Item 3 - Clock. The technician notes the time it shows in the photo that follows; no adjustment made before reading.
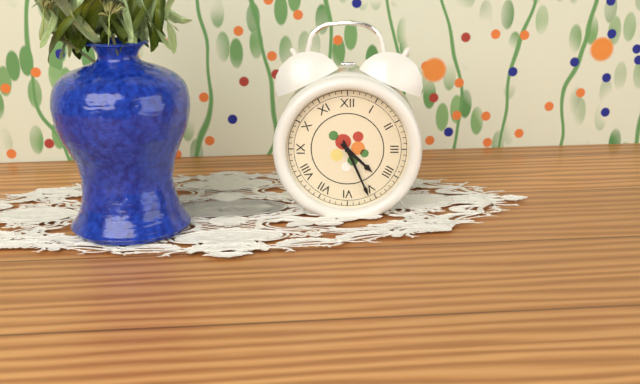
4:26
